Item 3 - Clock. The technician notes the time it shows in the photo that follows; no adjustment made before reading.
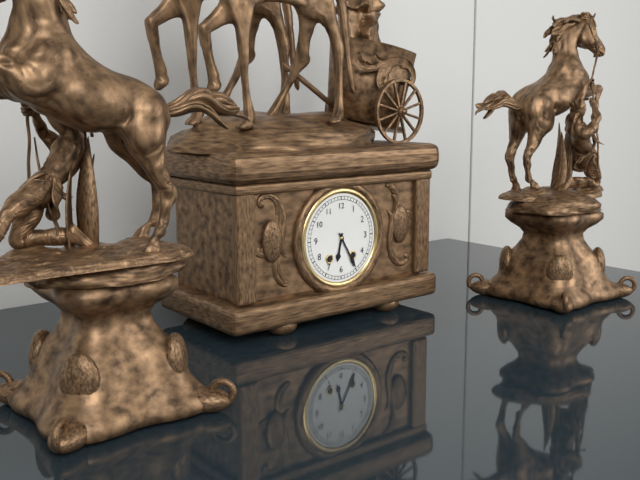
6:25
